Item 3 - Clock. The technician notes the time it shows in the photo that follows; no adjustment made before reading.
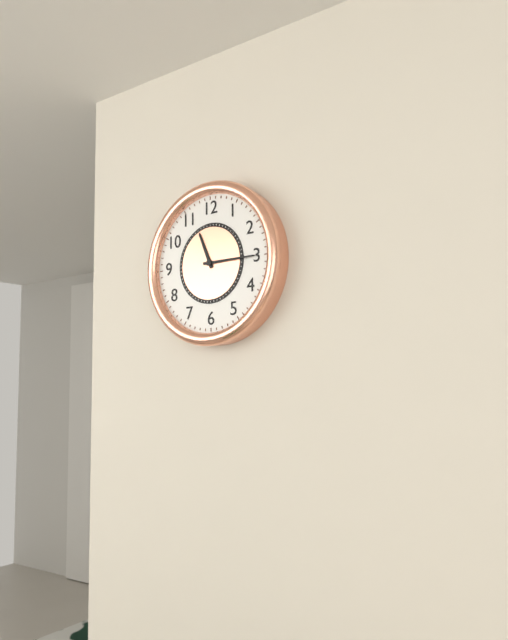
11:15
